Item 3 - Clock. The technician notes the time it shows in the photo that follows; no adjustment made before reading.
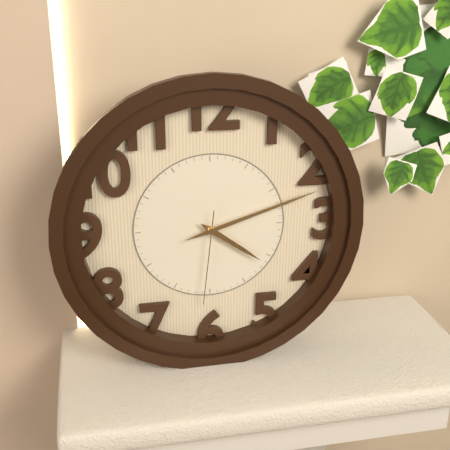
4:12:31
